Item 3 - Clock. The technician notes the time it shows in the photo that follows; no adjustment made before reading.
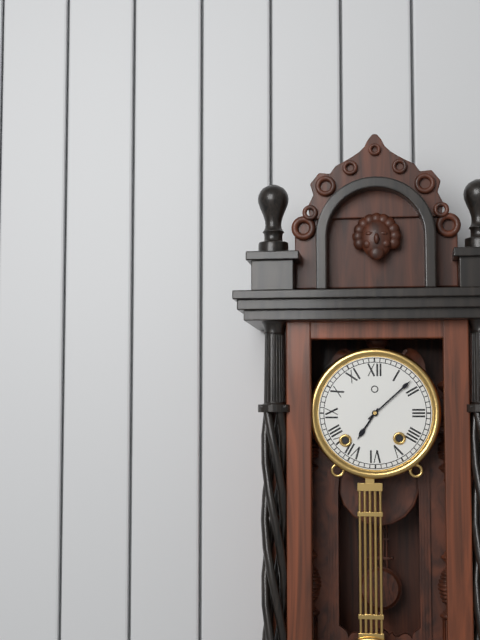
7:08
